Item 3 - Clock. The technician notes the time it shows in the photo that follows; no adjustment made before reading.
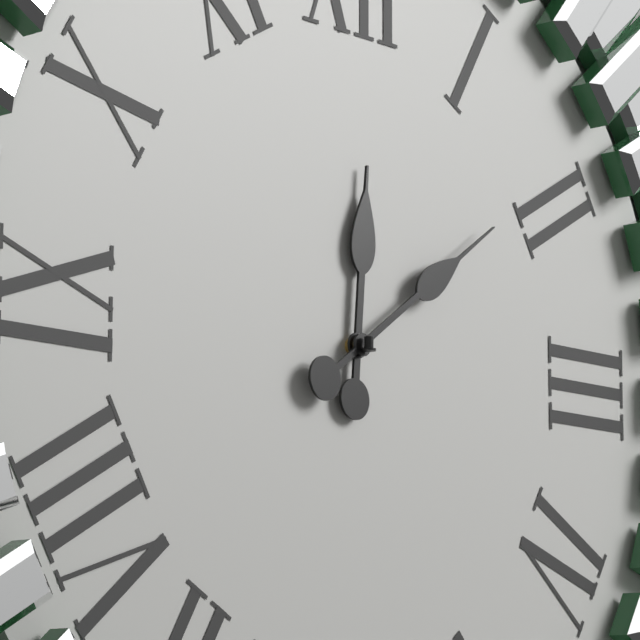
12:09
